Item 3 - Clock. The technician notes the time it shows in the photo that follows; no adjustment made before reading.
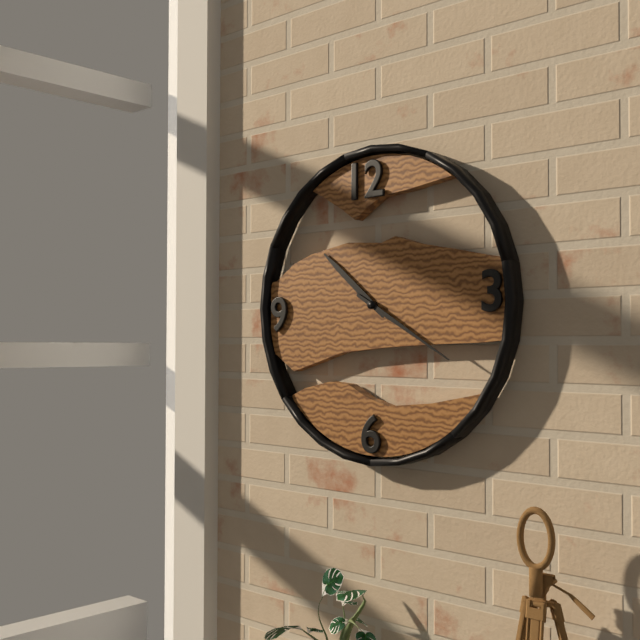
10:20
